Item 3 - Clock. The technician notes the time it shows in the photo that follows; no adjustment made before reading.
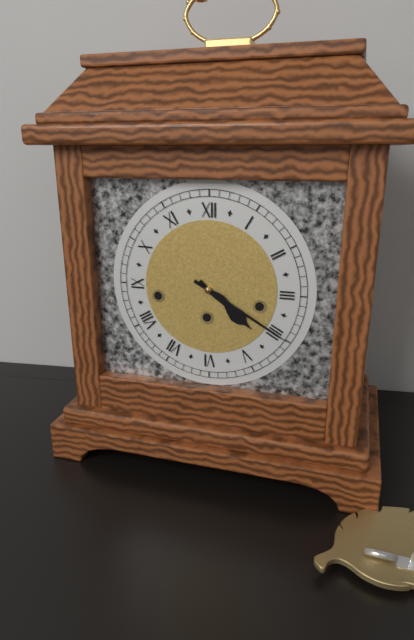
4:20
